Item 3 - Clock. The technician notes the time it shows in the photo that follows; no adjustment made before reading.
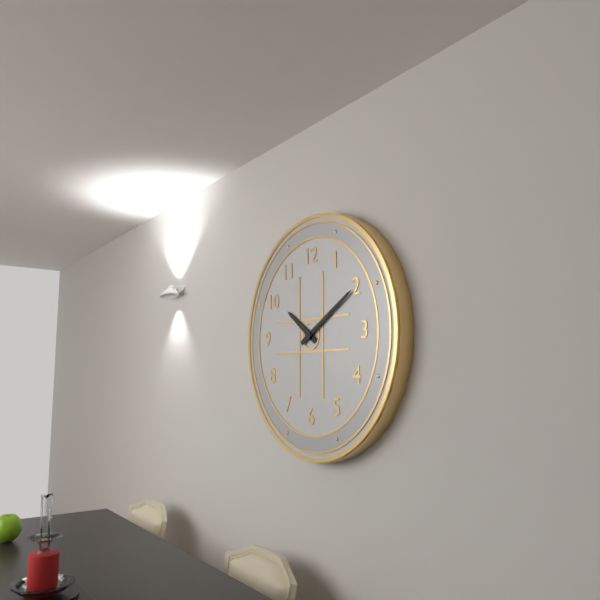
10:10
